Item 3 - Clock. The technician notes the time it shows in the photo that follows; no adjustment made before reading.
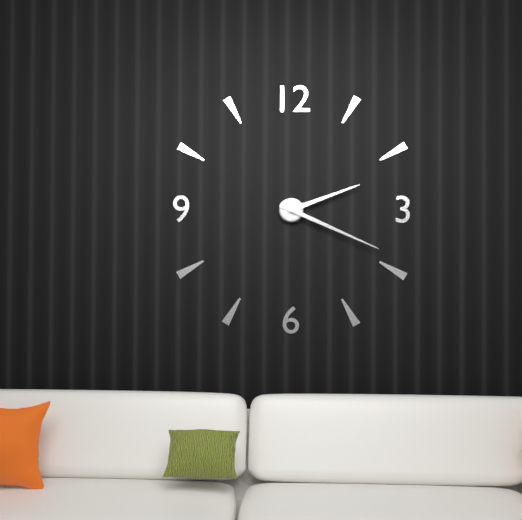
2:19
